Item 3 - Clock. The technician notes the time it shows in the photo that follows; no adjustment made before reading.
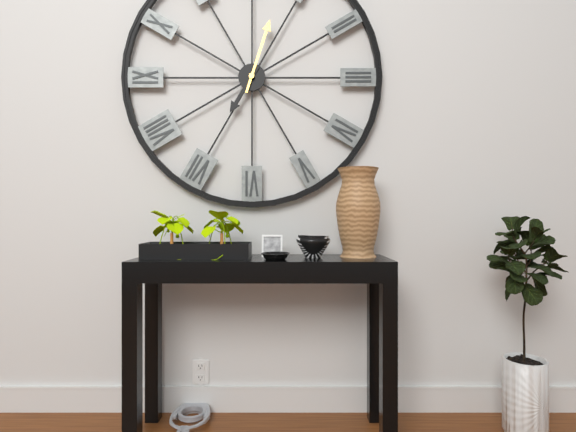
7:03
